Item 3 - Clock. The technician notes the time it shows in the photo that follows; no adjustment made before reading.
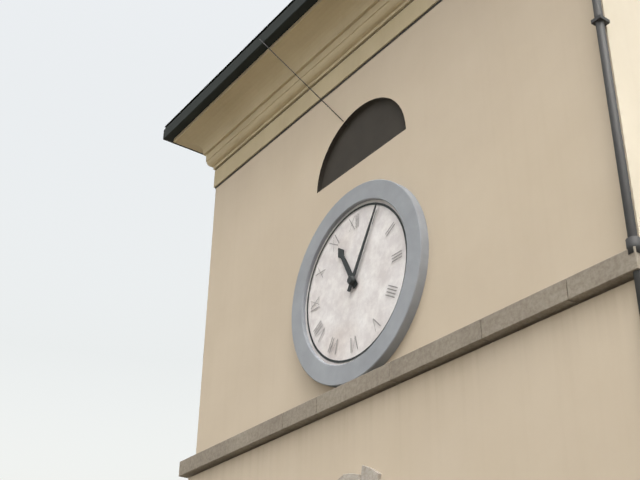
11:05
